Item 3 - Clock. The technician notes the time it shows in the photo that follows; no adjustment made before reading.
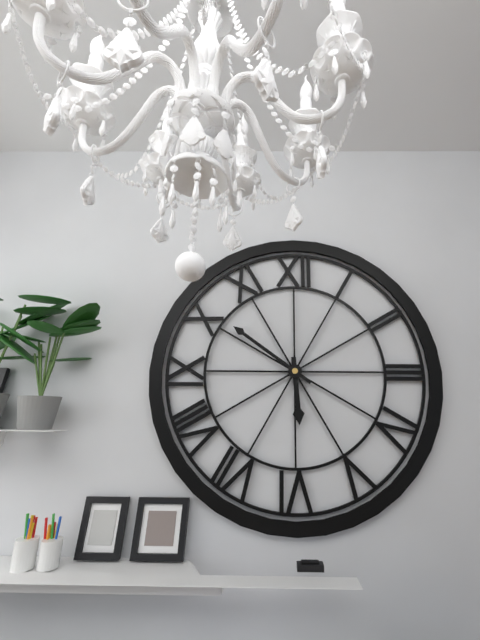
5:51
